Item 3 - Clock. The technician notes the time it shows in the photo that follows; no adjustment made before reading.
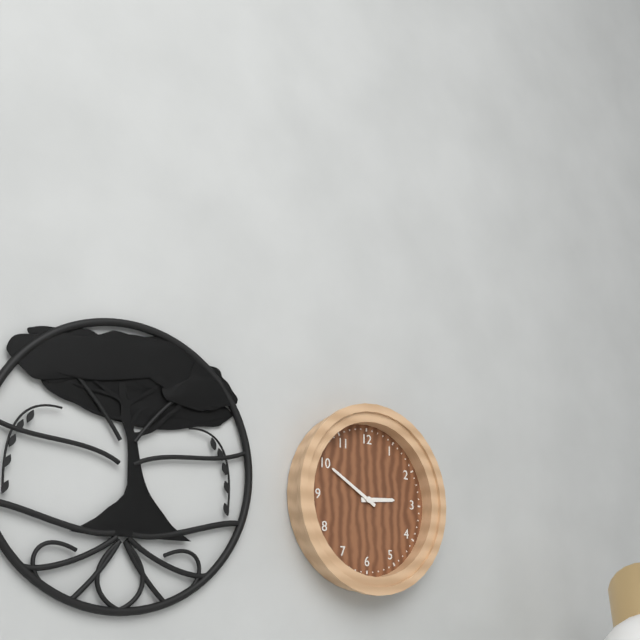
2:50
